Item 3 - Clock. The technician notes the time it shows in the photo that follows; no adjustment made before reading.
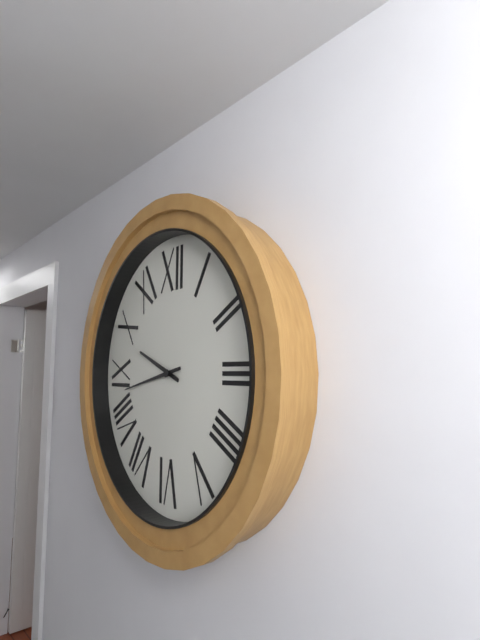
9:43
